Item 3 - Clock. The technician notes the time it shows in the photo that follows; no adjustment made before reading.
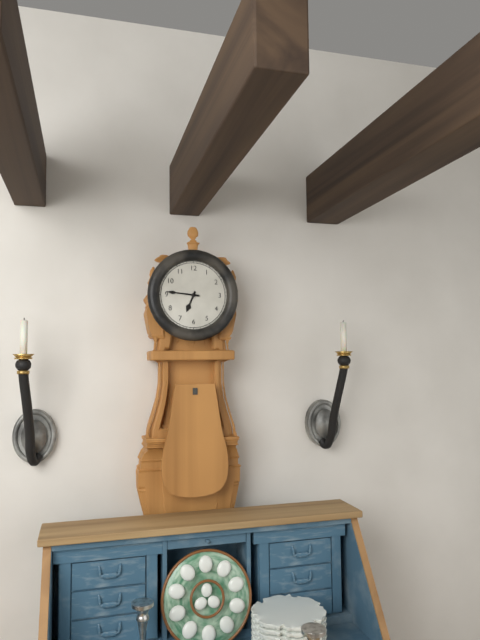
6:46
